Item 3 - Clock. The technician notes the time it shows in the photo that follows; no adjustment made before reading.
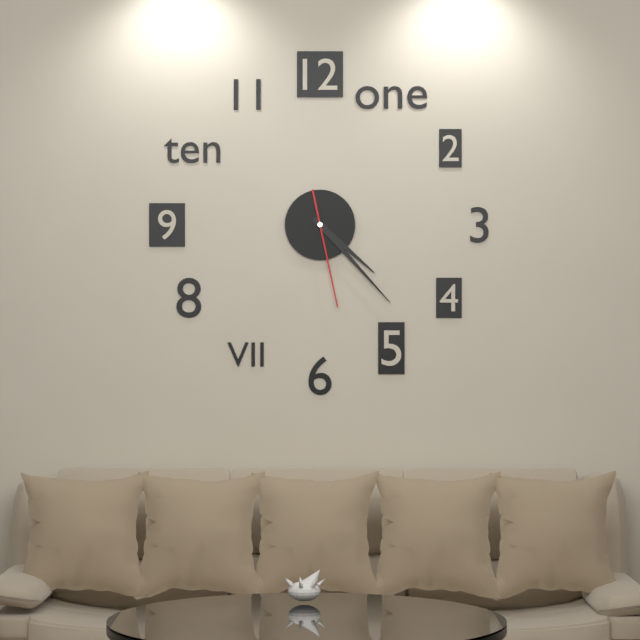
4:23:28
